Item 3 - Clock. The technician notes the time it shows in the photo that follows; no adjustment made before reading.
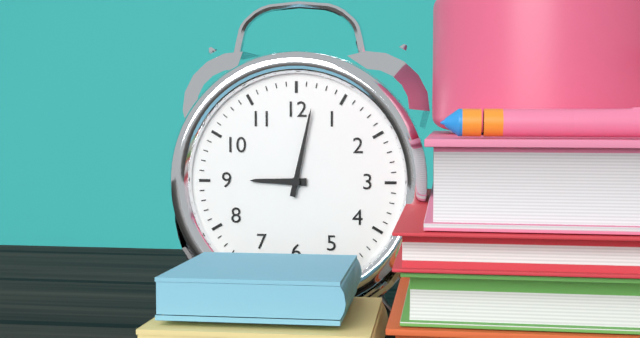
9:02
